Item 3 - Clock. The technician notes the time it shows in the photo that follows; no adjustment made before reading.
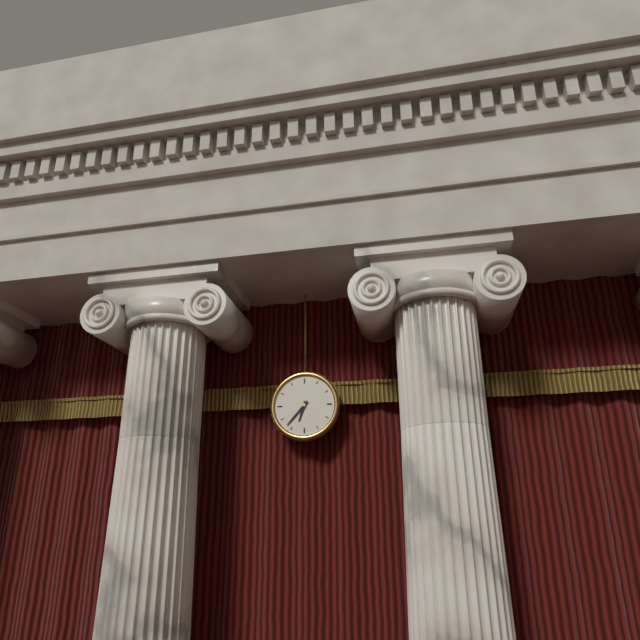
6:37
